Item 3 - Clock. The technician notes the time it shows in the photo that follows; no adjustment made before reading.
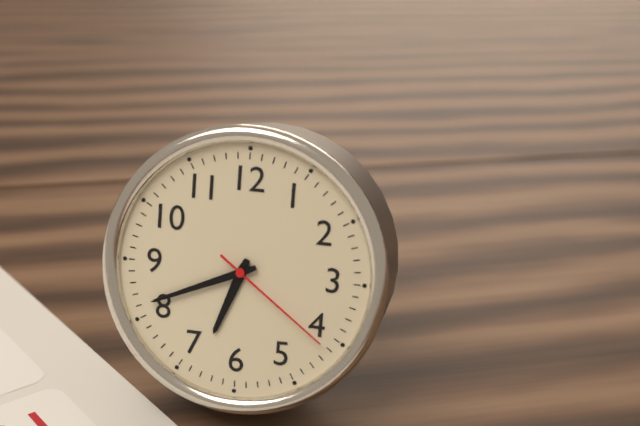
6:41:21
